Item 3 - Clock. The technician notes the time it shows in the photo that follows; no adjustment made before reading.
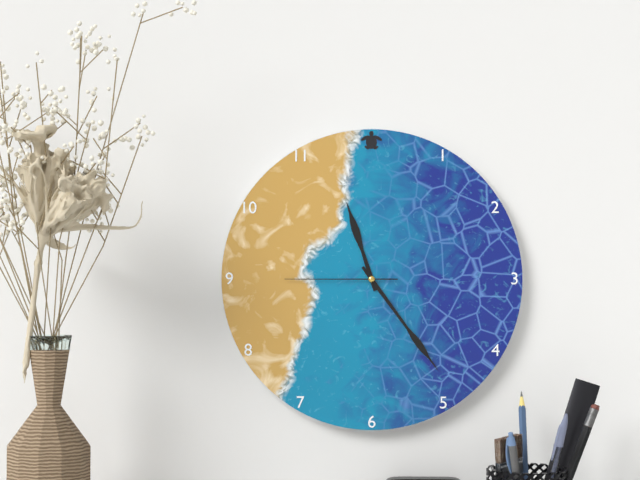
11:24:45
